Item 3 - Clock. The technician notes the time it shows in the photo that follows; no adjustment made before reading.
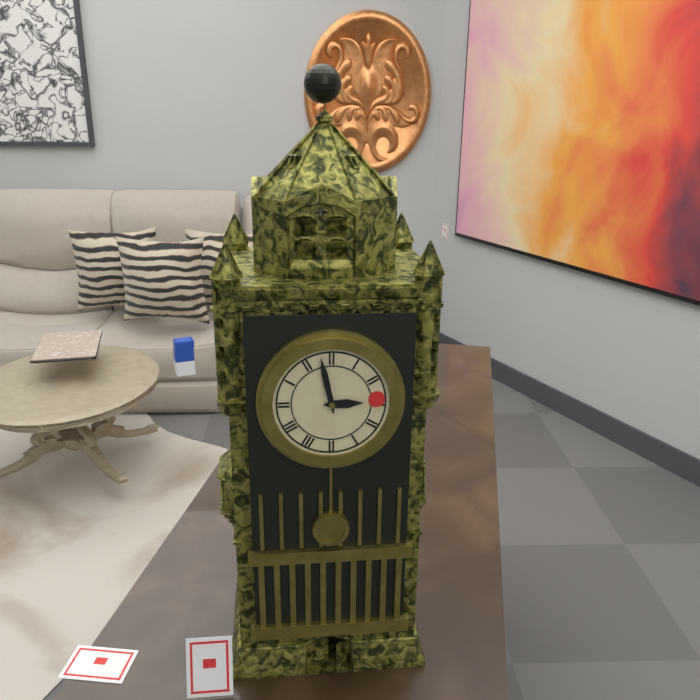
2:58
